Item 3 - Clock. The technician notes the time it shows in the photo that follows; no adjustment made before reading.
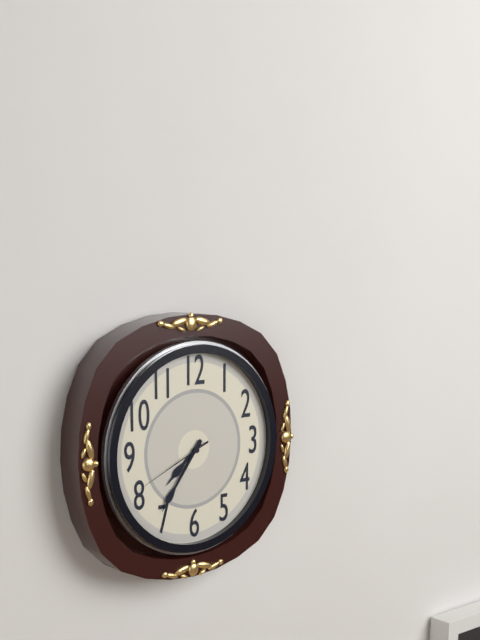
7:36:41
